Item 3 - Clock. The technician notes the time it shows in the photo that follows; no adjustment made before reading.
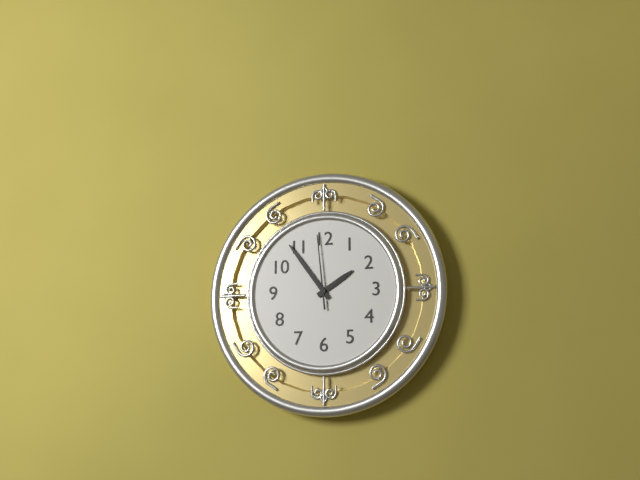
1:54:59
